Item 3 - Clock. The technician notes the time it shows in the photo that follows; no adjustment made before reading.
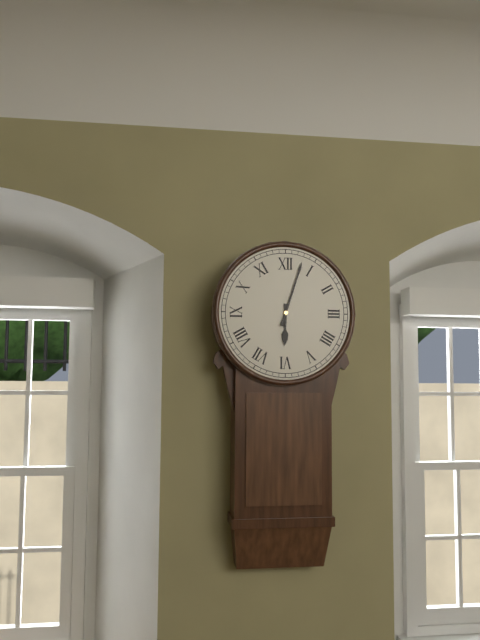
6:03
